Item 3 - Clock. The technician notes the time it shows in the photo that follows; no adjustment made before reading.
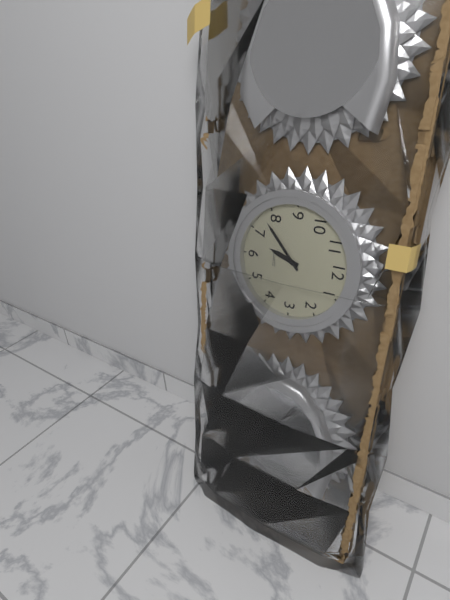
6:38
